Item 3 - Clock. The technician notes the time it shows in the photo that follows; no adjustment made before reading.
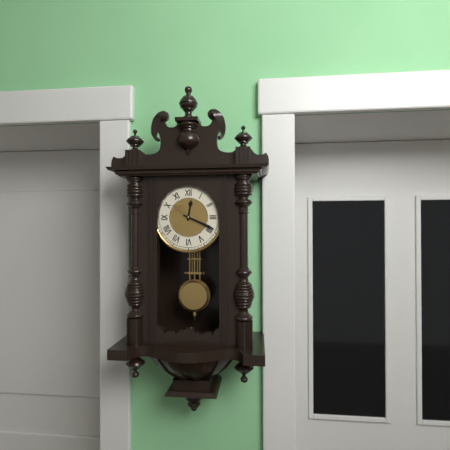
12:19
